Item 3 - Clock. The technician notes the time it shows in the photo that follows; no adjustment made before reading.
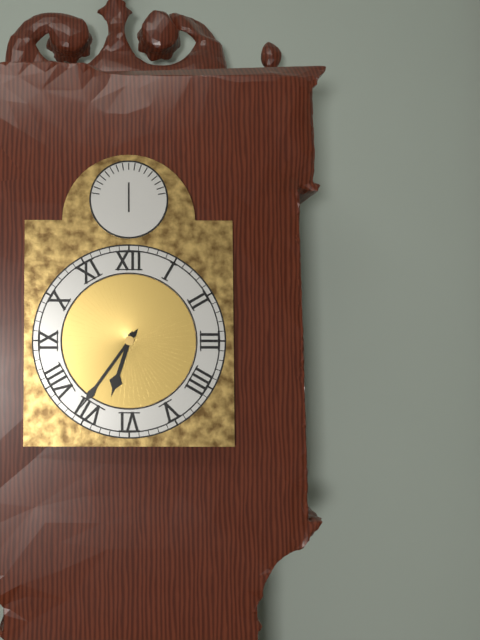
6:36
